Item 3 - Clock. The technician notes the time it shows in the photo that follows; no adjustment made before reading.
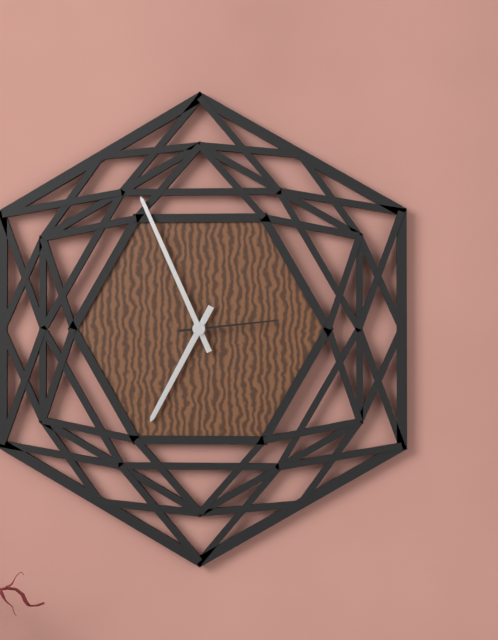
6:56:14
